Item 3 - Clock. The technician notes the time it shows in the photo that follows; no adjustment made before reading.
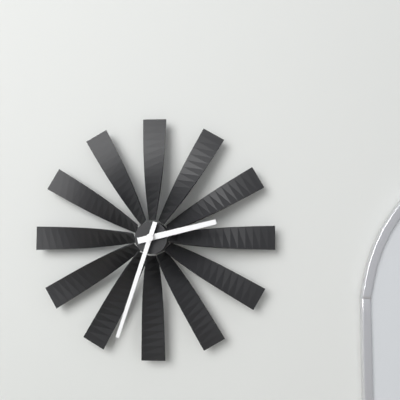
2:33
